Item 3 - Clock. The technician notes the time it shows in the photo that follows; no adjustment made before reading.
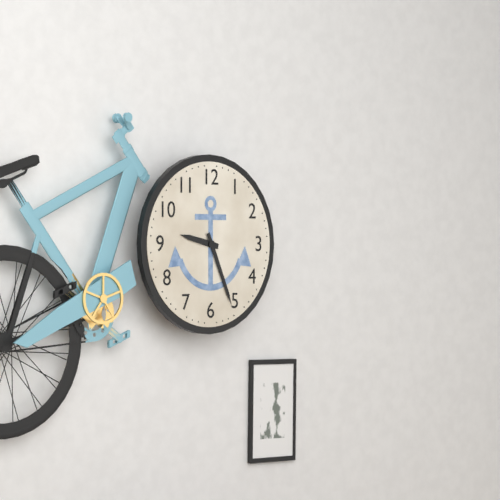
9:26
